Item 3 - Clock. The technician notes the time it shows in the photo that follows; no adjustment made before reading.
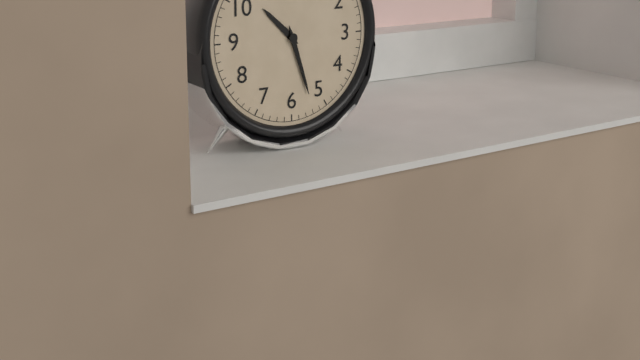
10:27
